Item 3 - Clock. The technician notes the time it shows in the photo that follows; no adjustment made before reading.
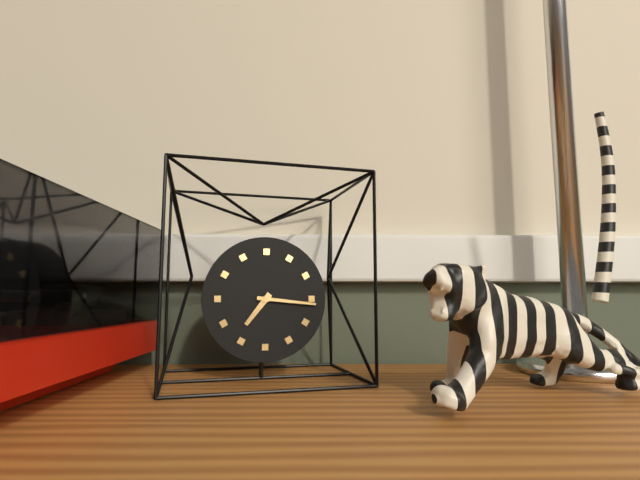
7:16
